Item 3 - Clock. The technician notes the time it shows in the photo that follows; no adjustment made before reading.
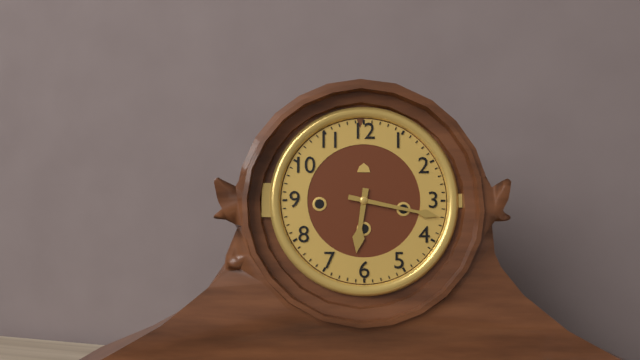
6:17
